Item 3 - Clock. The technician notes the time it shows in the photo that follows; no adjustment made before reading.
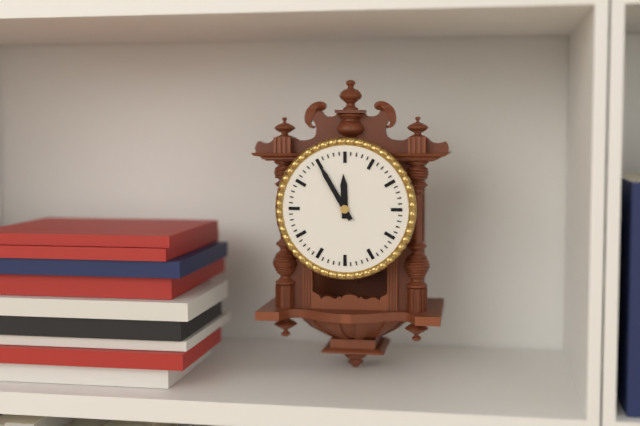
11:55
